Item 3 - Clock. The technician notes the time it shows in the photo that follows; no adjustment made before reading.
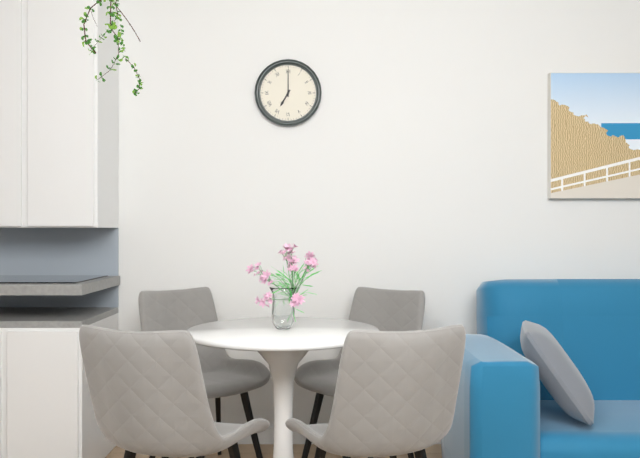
7:00
